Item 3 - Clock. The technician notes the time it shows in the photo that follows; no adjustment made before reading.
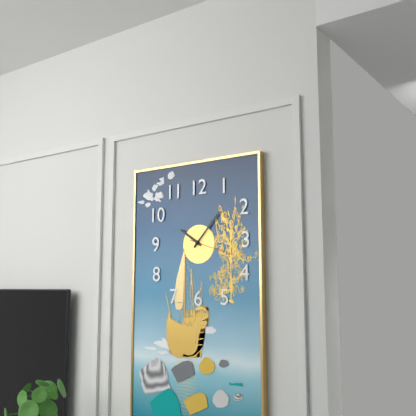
10:07
